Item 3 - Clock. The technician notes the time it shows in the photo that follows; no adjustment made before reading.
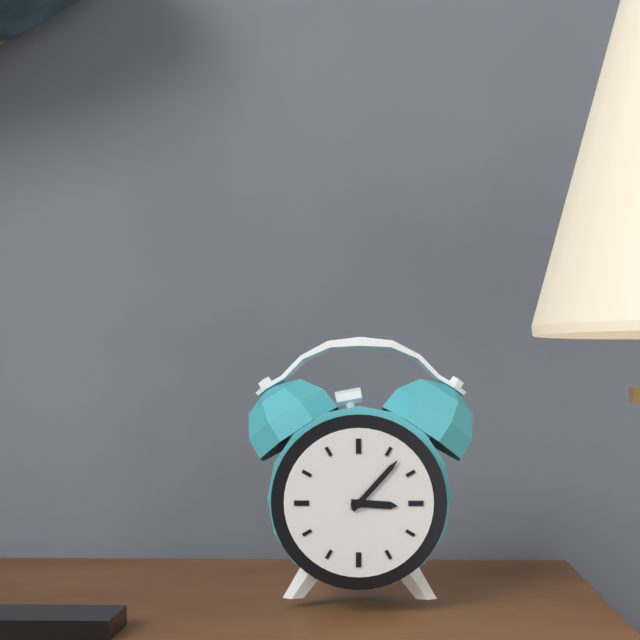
3:07
